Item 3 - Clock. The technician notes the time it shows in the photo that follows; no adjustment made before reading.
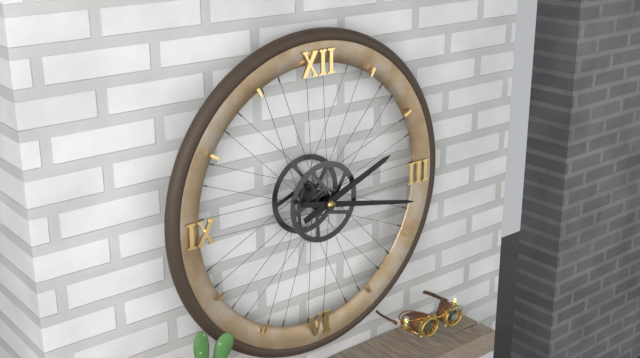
2:17
